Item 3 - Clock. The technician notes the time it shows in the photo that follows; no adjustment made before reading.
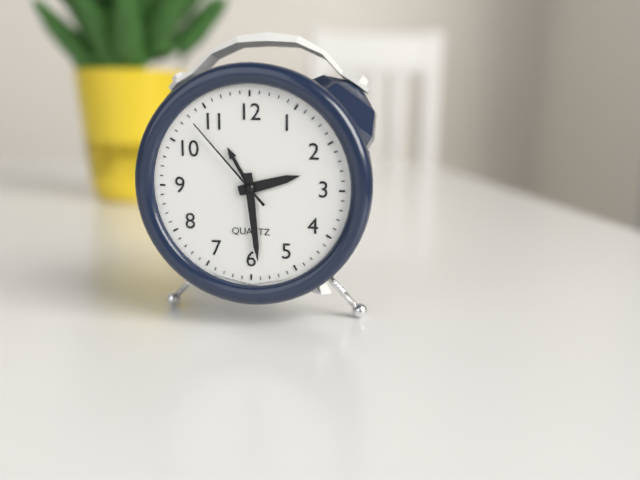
2:29:53
